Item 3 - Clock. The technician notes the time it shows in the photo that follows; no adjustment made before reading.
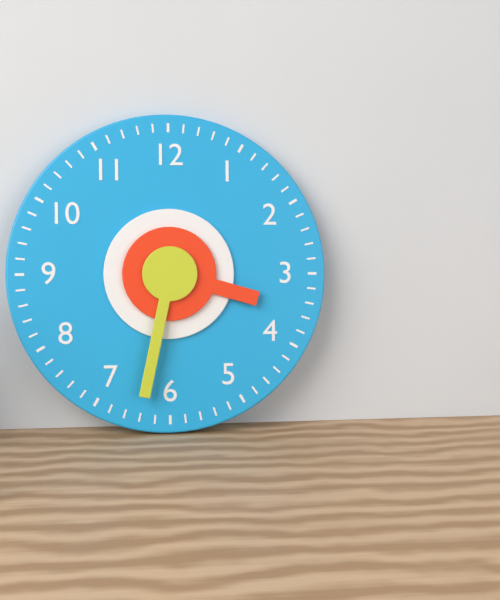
3:32
